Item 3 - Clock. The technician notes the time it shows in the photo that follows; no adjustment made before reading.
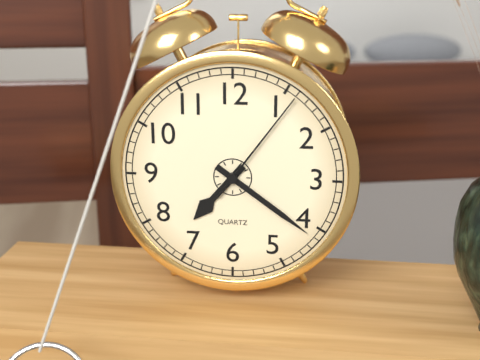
7:21:06
